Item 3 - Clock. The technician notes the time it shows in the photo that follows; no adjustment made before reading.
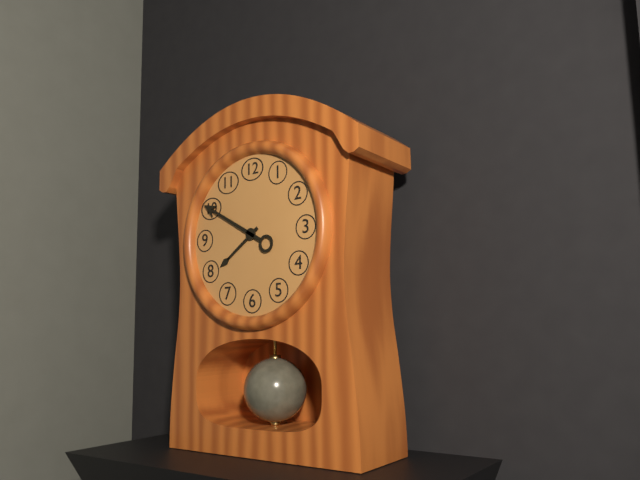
7:50
